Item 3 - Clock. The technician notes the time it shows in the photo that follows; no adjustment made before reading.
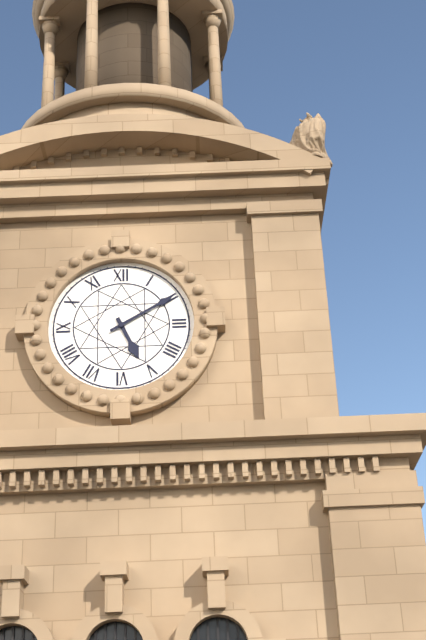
5:10
